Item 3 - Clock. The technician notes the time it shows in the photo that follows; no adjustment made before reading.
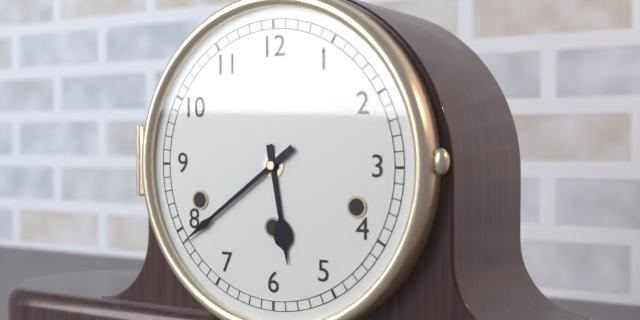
5:39
